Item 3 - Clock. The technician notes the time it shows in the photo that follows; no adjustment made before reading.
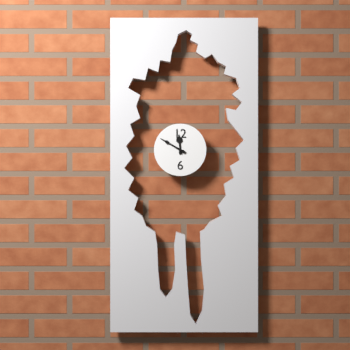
11:50
